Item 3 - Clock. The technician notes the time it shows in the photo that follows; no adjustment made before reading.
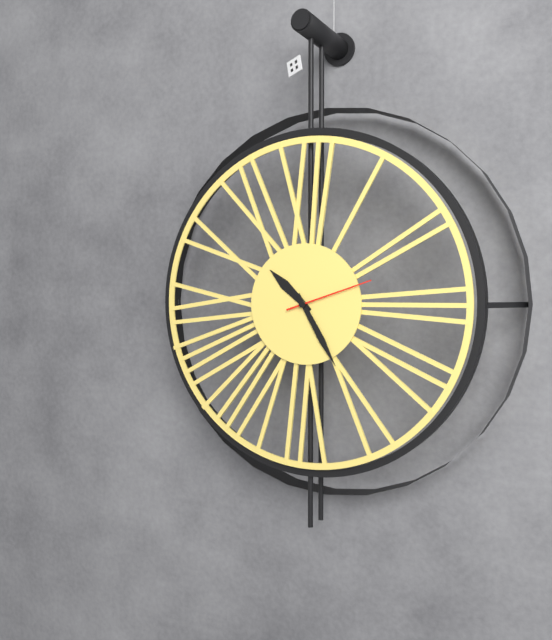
10:25:12
